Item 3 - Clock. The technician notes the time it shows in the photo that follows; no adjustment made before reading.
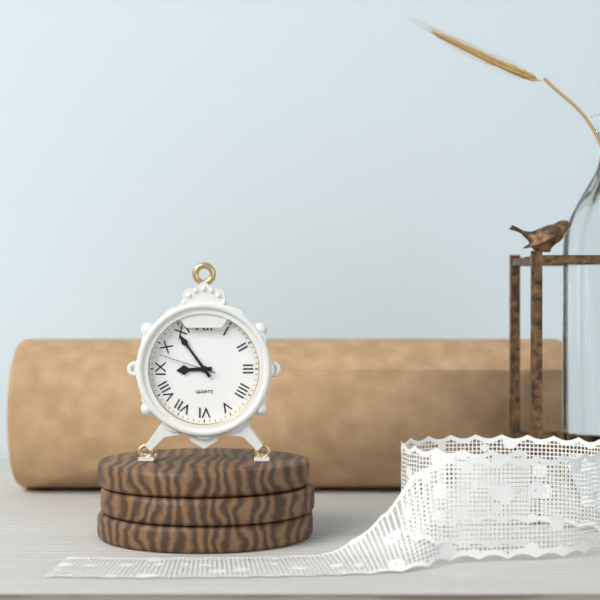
8:54:48
